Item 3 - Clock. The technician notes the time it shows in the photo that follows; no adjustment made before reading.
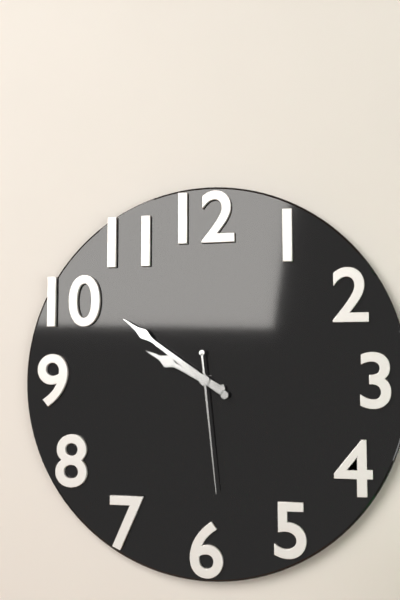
9:51:29
